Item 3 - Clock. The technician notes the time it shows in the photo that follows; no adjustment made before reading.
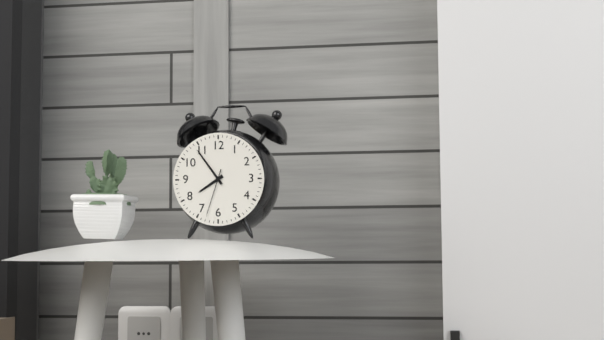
7:54:33
